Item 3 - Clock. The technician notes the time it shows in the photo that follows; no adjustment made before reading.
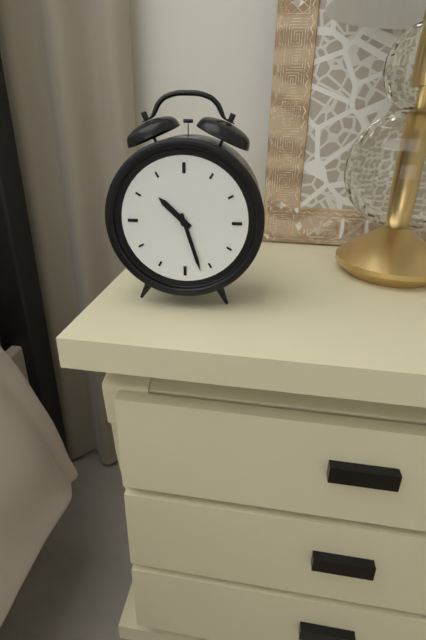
10:27
